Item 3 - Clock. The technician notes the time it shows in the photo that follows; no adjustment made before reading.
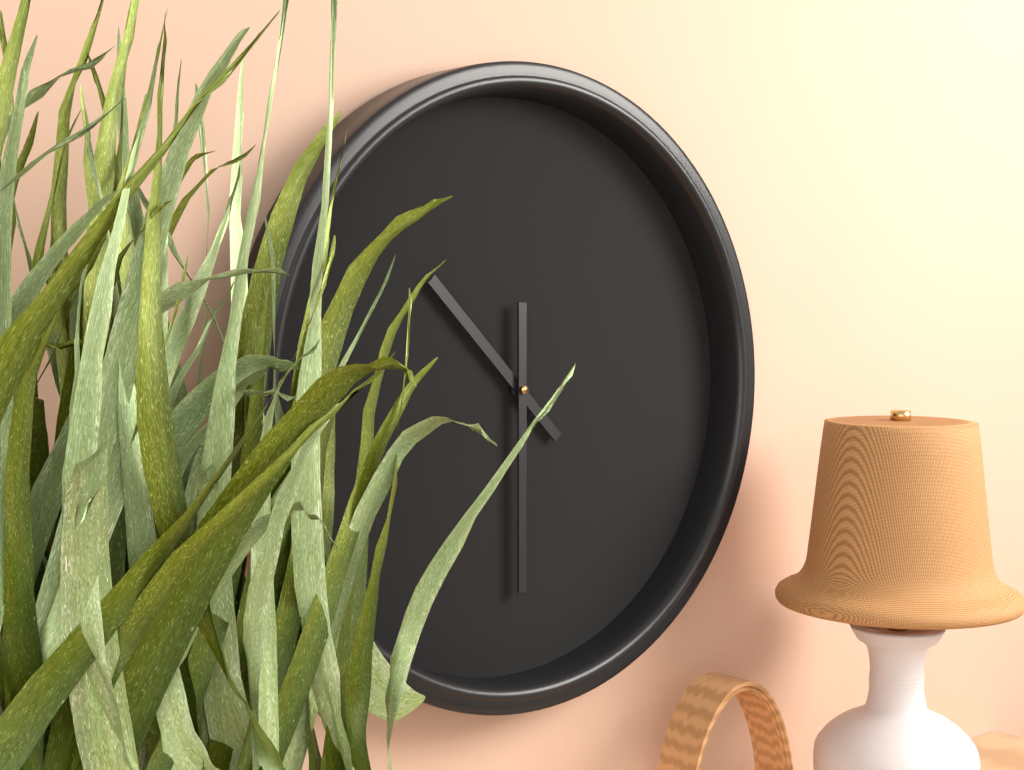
10:30
